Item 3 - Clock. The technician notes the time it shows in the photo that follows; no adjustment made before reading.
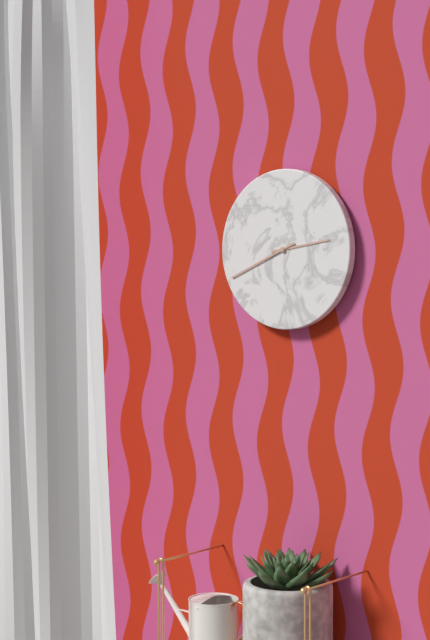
2:41
